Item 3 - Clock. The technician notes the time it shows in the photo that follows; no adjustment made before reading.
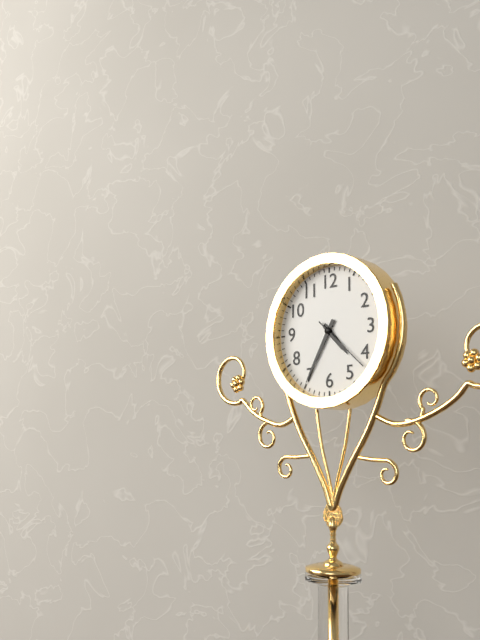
4:35:22
